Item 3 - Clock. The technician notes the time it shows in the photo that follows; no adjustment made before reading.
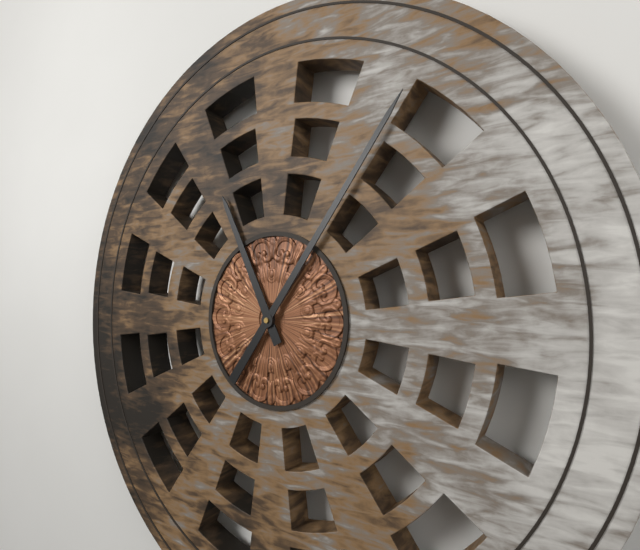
11:06
